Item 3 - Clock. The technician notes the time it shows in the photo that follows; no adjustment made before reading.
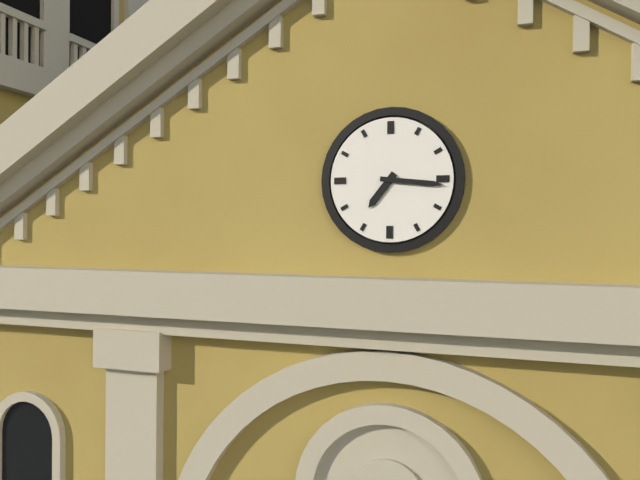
7:16
